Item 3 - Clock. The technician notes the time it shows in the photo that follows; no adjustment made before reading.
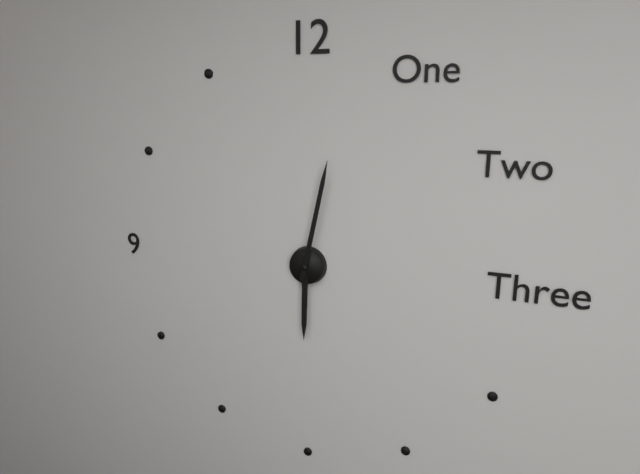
6:02
